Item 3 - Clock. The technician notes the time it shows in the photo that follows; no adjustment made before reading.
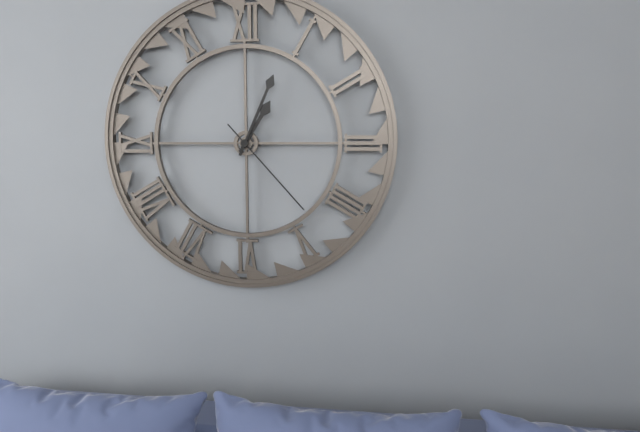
1:04:23
